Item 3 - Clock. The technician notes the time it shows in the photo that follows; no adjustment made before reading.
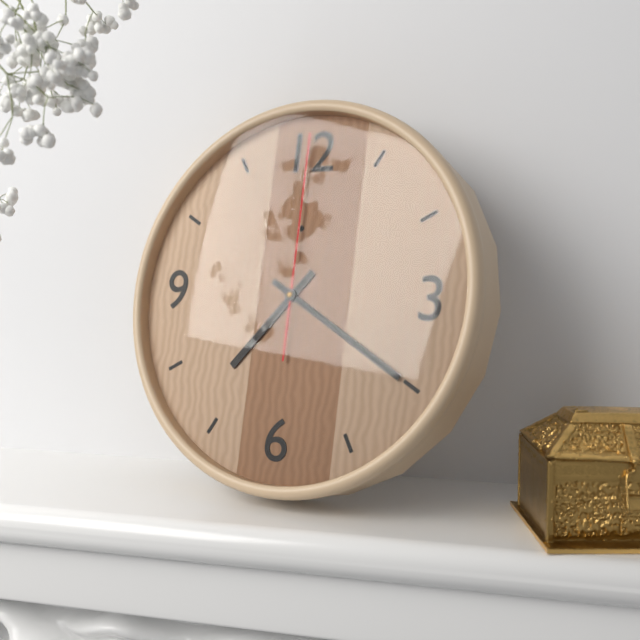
7:20:00
